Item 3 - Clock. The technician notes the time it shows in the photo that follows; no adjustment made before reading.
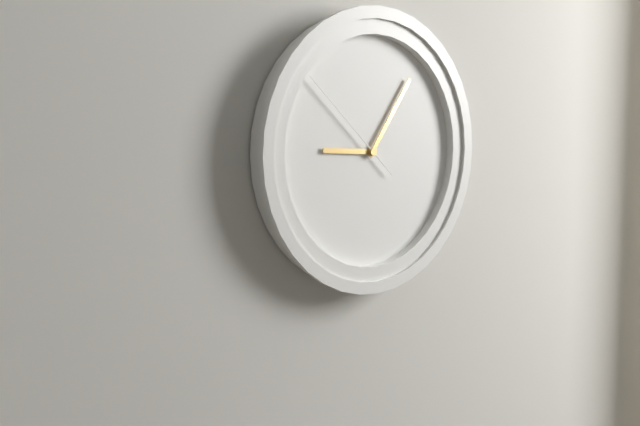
9:06:52
